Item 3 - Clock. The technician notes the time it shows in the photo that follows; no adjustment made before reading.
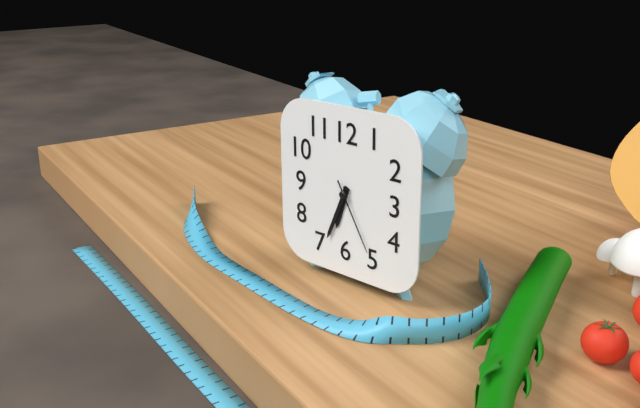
6:34:25
